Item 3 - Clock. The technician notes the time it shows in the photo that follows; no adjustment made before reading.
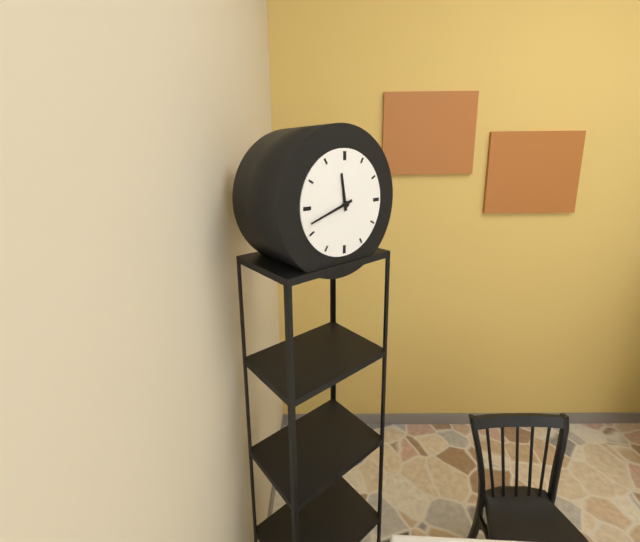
11:42
